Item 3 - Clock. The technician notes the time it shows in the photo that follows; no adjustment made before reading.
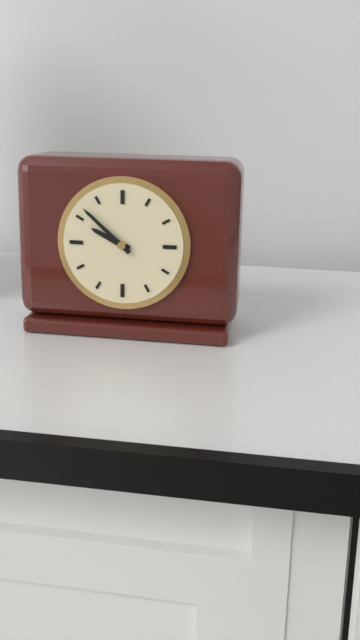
9:52
